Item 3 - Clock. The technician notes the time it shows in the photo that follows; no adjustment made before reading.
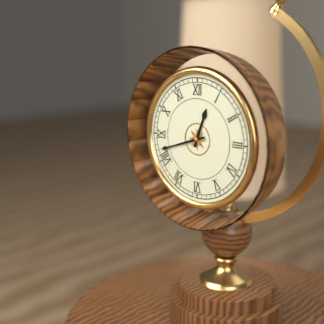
12:42
